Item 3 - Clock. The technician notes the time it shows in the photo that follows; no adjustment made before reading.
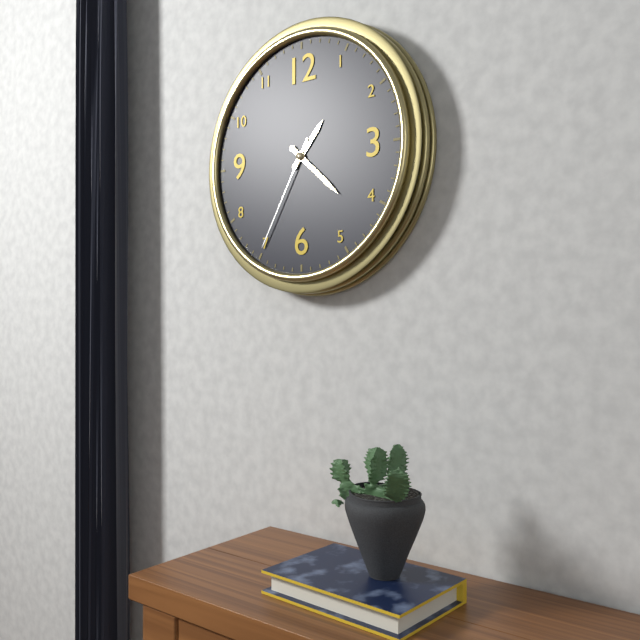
1:22:35
